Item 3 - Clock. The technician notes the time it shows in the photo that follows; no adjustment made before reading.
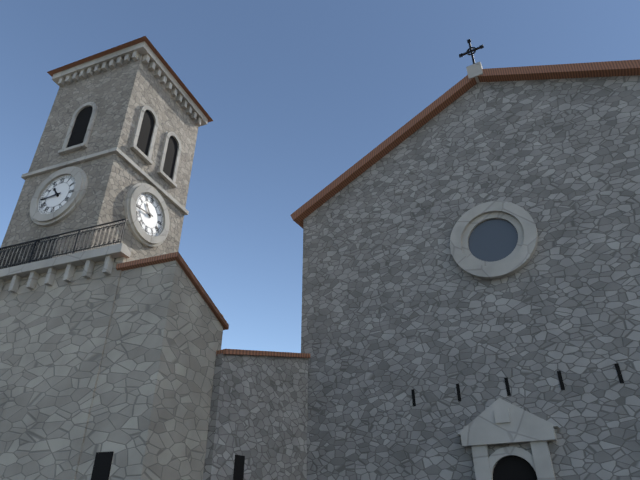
10:44
